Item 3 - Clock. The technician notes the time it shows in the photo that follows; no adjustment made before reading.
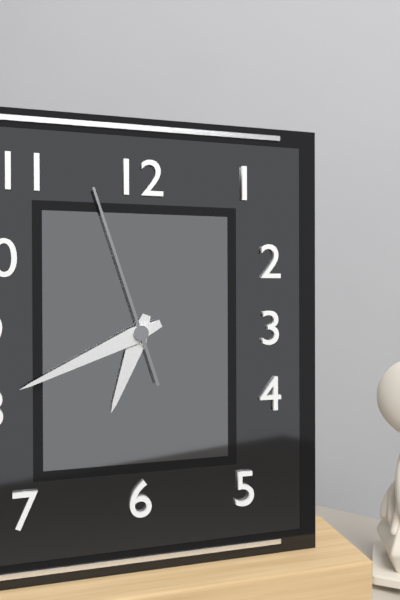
6:41:57
